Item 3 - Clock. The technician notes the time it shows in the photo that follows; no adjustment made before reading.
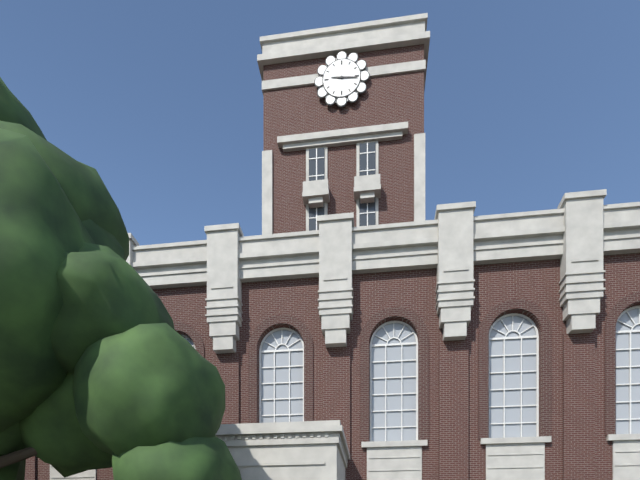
9:16
